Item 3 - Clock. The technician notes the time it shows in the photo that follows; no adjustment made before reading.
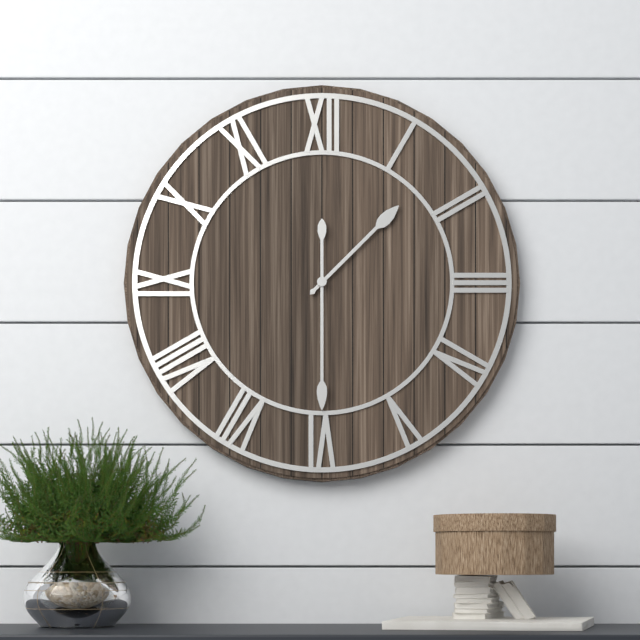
1:30
